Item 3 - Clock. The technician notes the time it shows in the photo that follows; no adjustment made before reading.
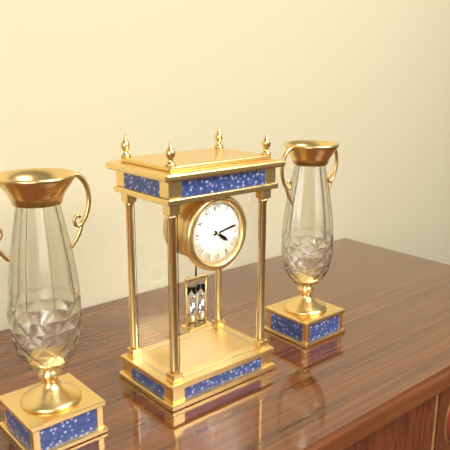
4:13
